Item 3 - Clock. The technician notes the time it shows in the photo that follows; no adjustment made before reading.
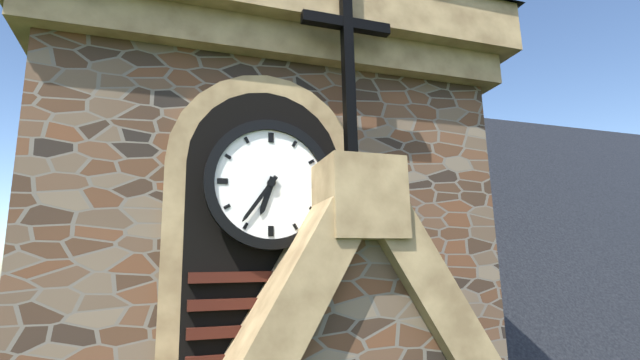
6:36
